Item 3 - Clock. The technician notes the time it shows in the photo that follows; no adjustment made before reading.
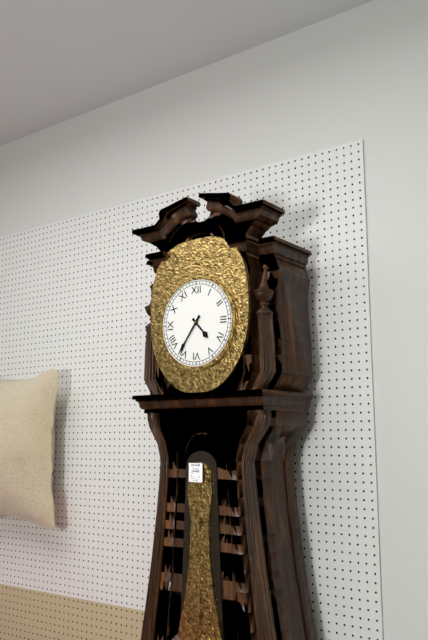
4:36
